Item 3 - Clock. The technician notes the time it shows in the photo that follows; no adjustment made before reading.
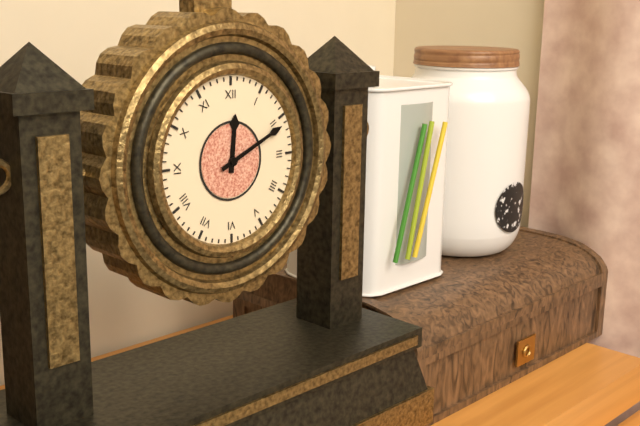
12:11
